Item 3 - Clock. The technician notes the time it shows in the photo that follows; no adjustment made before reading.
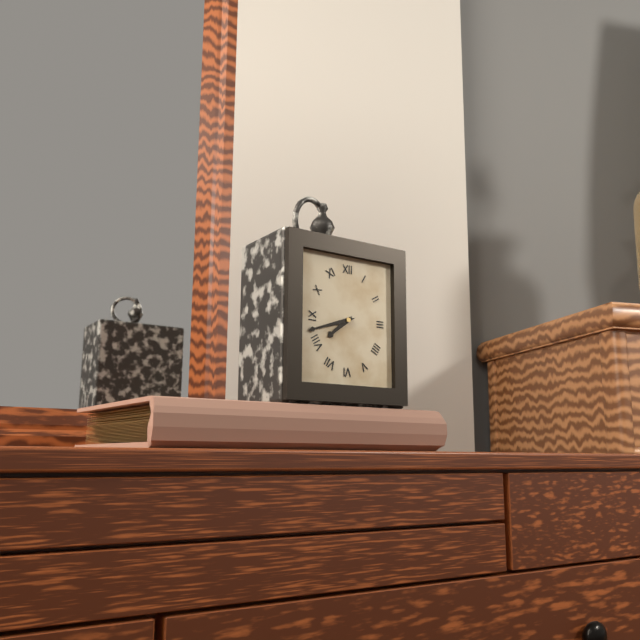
7:42
